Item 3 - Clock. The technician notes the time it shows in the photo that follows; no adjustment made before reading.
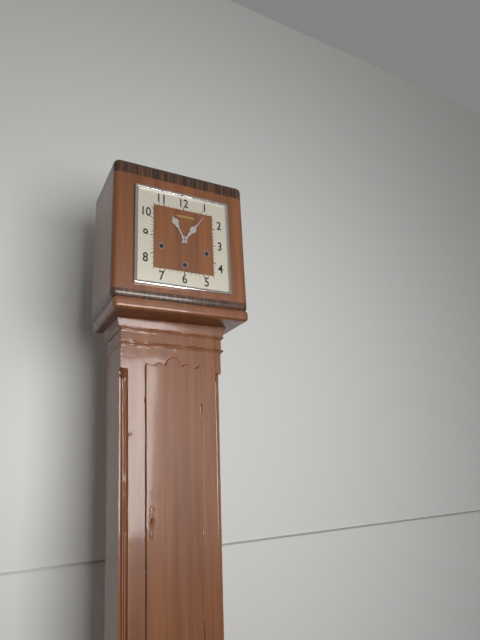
11:06
